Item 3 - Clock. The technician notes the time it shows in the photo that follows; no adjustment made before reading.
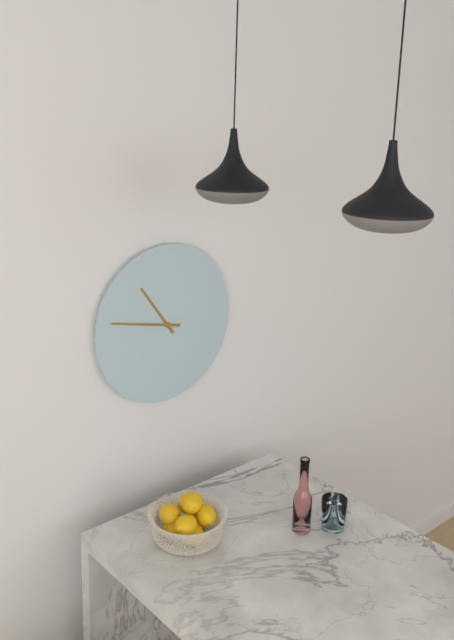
10:47
